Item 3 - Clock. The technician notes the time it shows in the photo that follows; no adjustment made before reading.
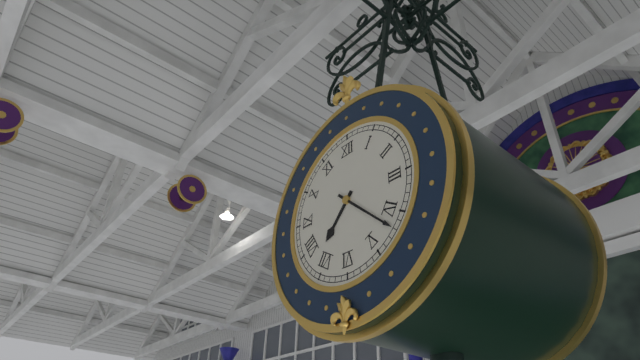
7:22
